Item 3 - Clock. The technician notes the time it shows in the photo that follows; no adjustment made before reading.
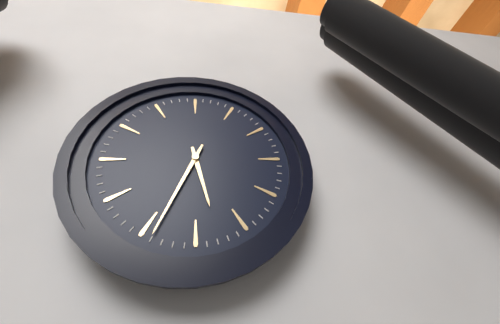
5:34
